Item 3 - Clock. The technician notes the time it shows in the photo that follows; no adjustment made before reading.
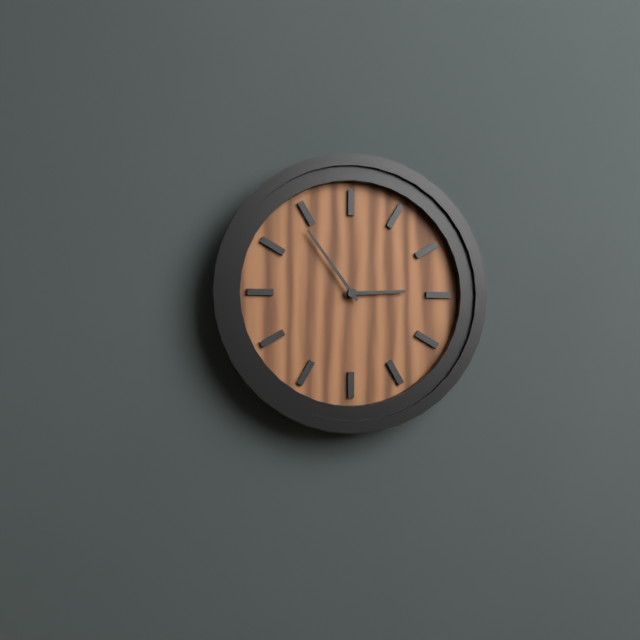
2:54
